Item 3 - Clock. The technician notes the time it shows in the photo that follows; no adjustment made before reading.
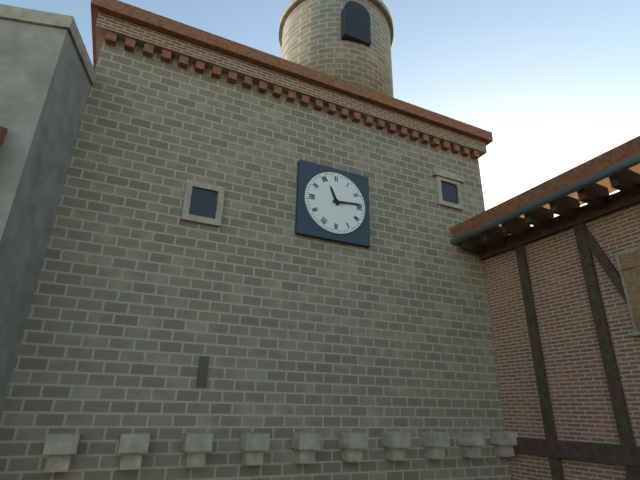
11:14
